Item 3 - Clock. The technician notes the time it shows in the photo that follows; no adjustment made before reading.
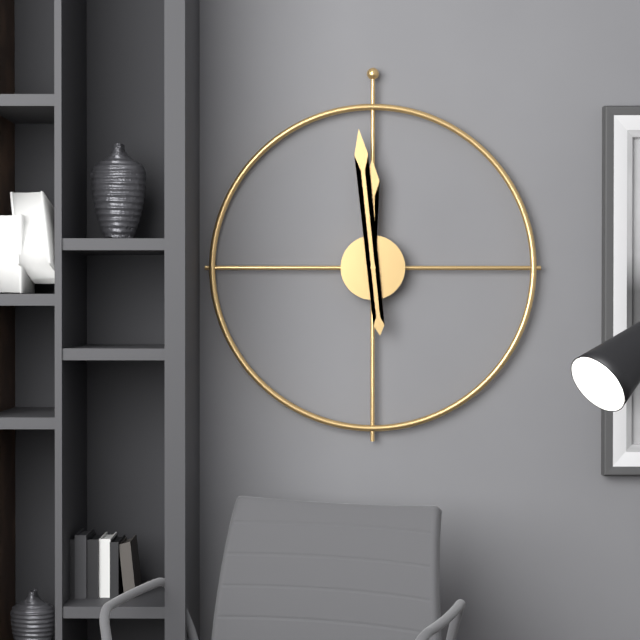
11:59
